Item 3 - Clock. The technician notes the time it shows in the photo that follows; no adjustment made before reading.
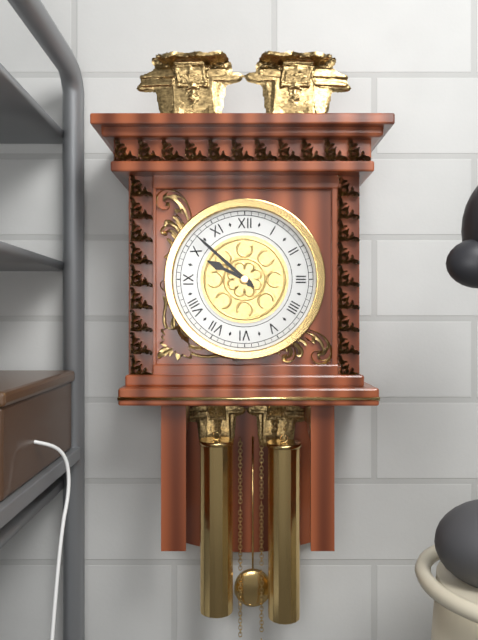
9:52
